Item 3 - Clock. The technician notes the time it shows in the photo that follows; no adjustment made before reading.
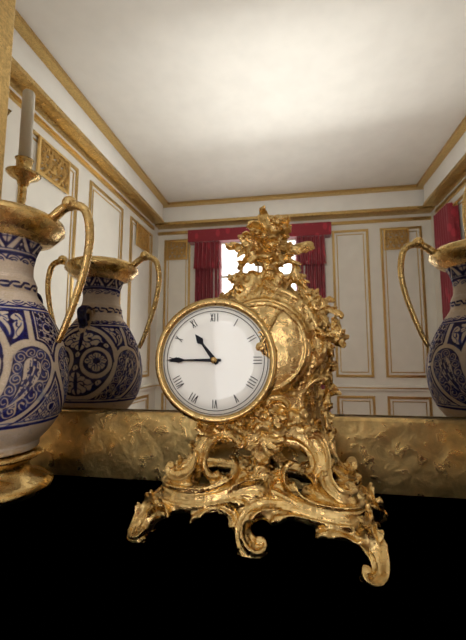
10:45
